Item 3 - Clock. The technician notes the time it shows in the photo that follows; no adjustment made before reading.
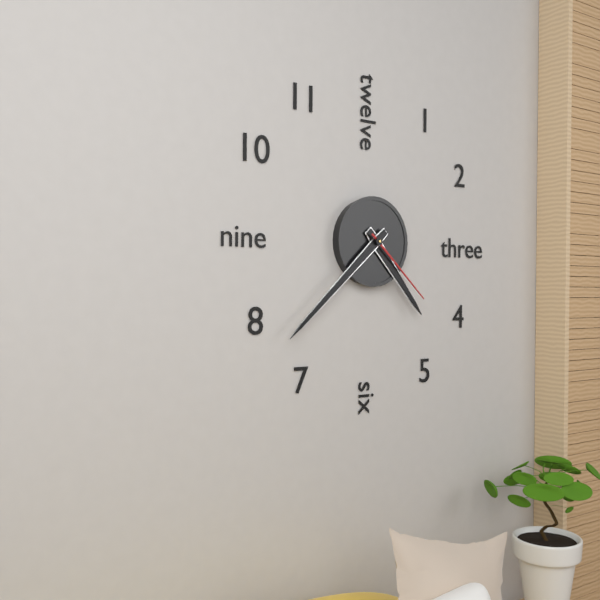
4:38:22
